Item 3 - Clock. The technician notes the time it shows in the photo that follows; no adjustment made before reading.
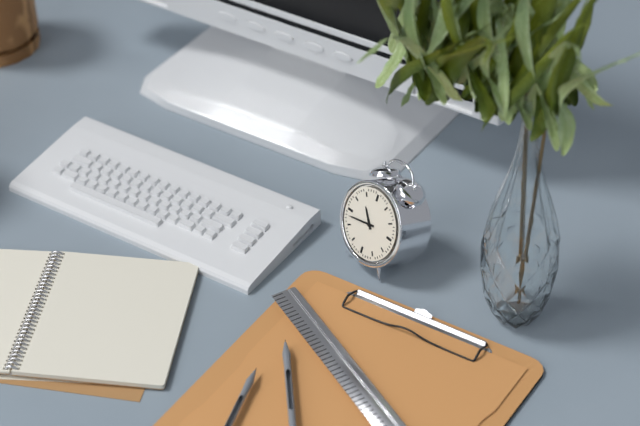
10:43
